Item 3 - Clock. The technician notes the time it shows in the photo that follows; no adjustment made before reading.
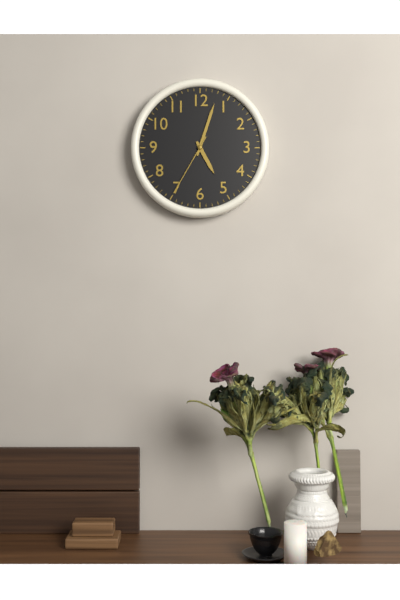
5:03:35
